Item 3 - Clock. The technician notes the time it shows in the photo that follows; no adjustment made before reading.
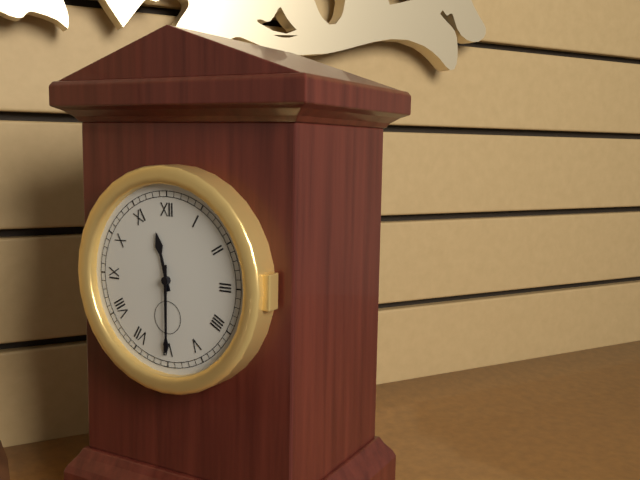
11:30
